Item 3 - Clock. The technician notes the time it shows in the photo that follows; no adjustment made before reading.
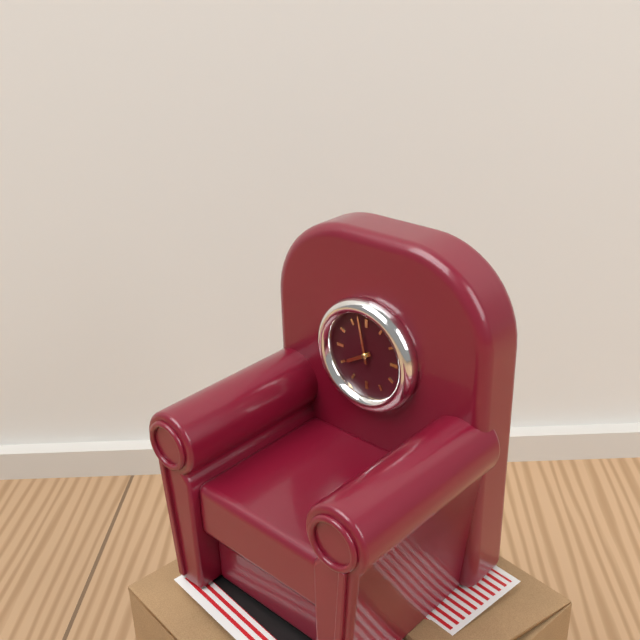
7:58
